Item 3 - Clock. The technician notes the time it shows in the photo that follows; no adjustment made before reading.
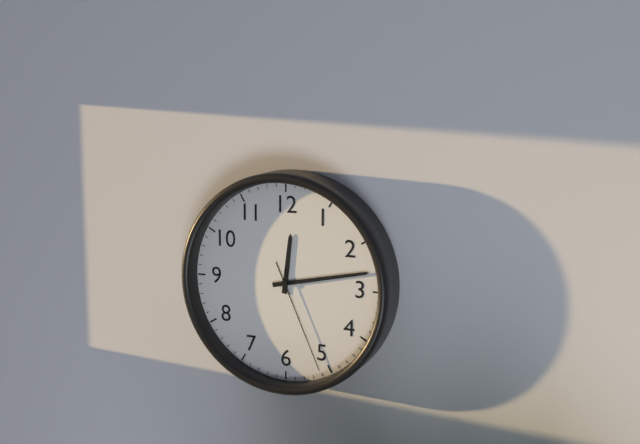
12:13:26
